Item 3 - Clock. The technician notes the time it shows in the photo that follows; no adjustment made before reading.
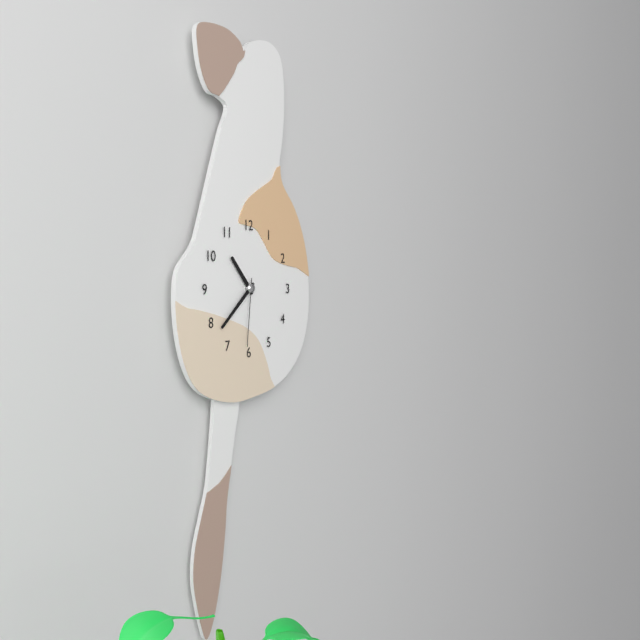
10:38:31
